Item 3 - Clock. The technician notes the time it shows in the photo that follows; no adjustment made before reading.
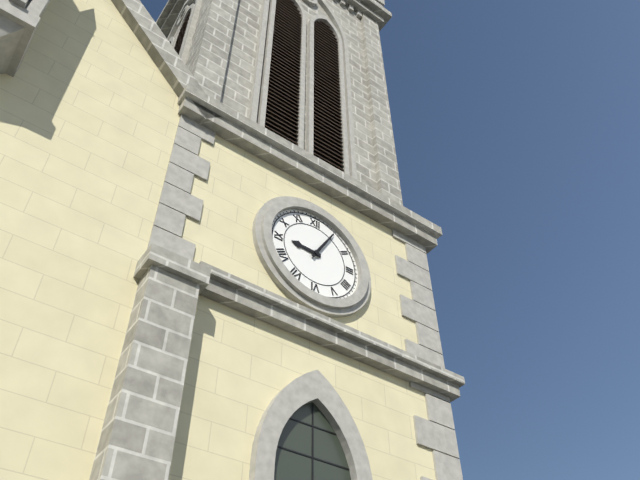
9:05
